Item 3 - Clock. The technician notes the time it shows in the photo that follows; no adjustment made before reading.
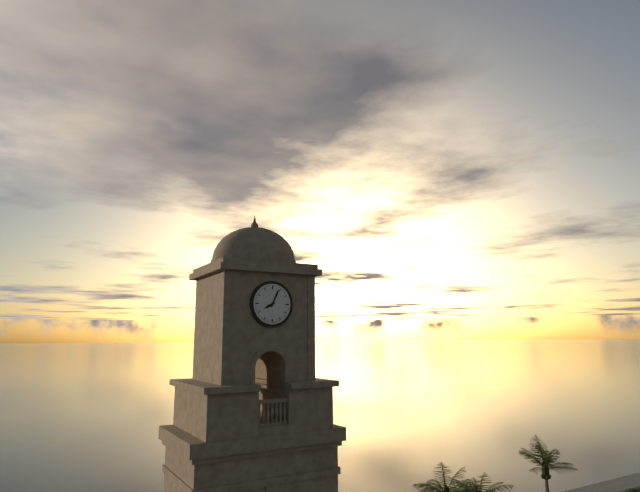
8:04
